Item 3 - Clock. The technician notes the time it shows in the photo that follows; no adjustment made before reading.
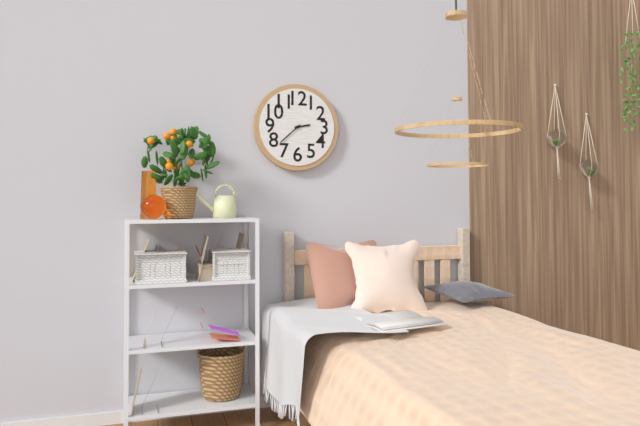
2:38
